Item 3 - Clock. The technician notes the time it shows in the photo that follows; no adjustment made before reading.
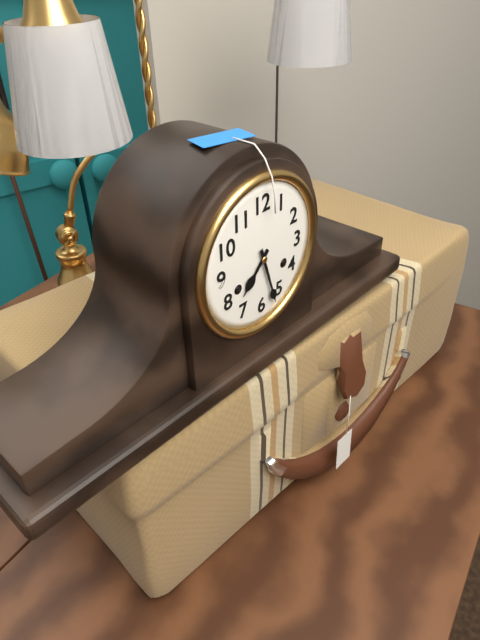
7:27
